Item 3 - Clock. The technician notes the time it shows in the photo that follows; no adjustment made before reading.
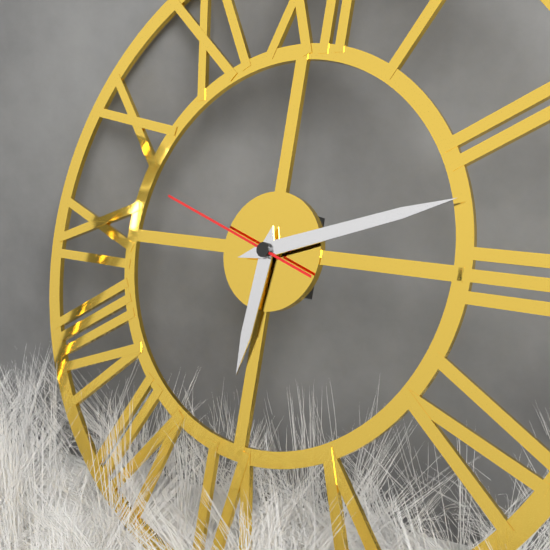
6:12:48
